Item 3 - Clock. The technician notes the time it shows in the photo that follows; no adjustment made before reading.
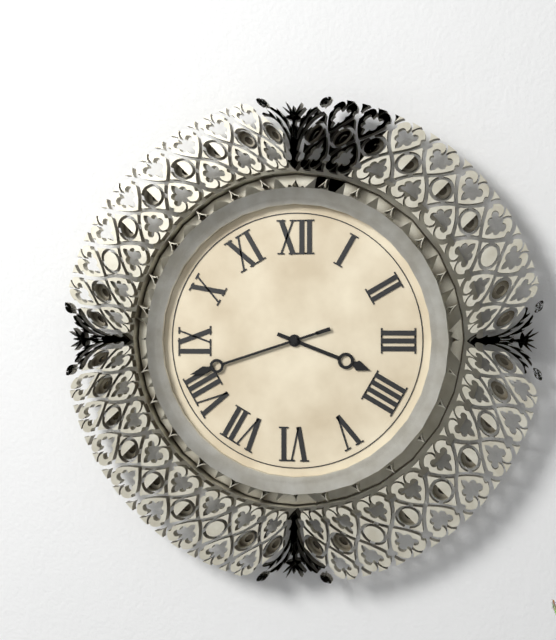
3:42
